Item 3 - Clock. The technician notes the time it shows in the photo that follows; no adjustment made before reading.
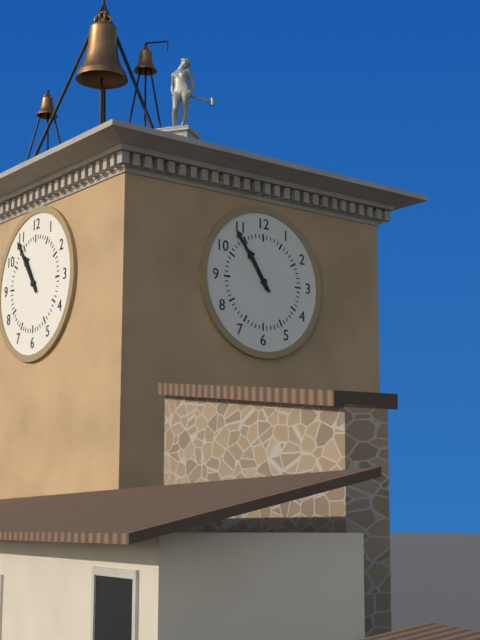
10:54
